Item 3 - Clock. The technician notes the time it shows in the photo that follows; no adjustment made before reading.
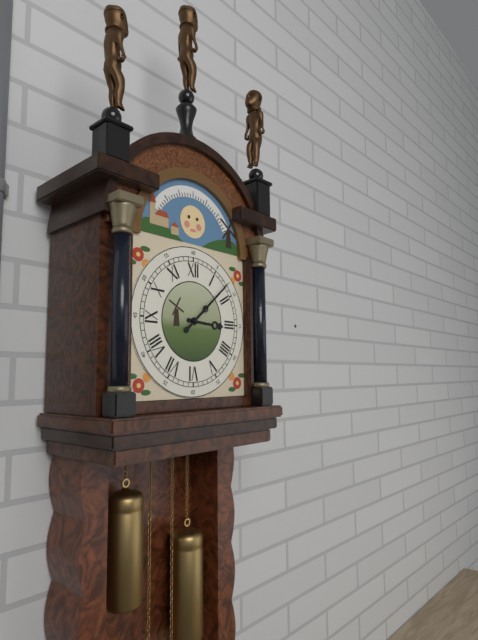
3:08
